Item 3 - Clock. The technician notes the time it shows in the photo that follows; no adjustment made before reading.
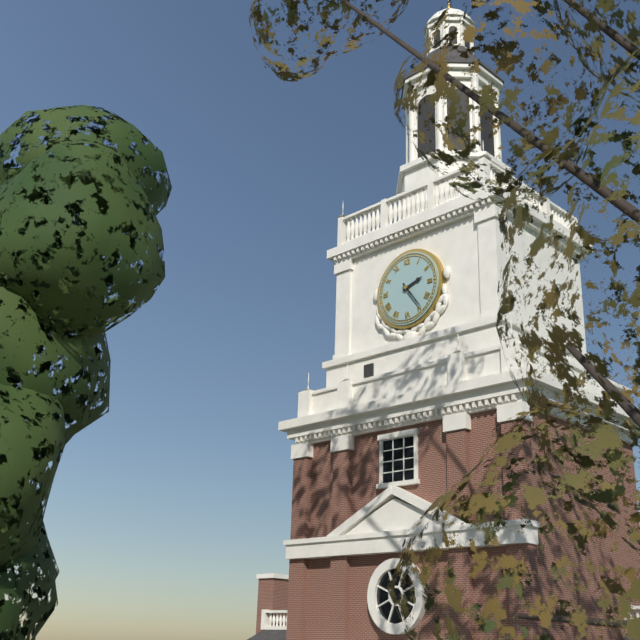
2:24
